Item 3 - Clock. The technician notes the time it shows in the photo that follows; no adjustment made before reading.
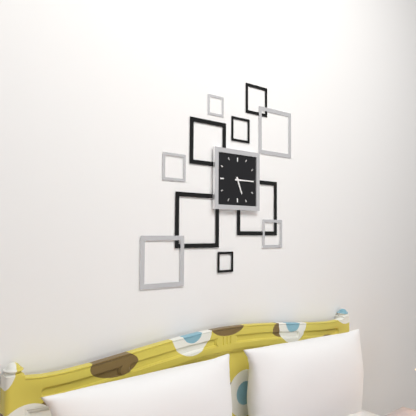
5:15
